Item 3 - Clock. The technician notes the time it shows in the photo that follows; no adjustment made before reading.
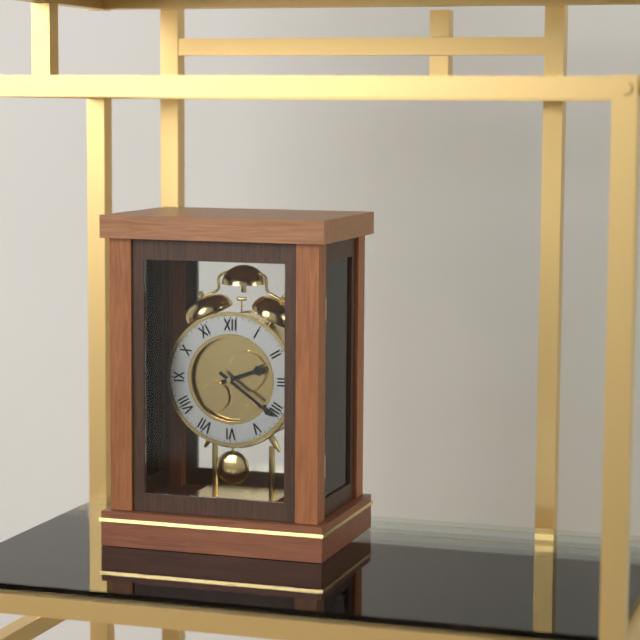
2:21
